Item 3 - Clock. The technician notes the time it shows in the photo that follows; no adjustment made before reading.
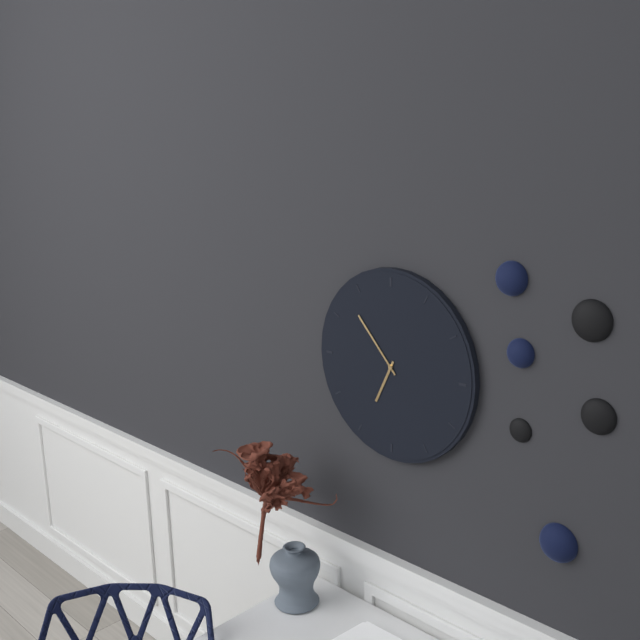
6:53
